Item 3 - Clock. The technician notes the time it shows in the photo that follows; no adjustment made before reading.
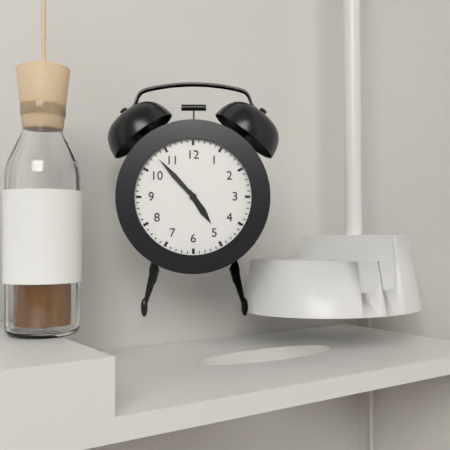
4:53
